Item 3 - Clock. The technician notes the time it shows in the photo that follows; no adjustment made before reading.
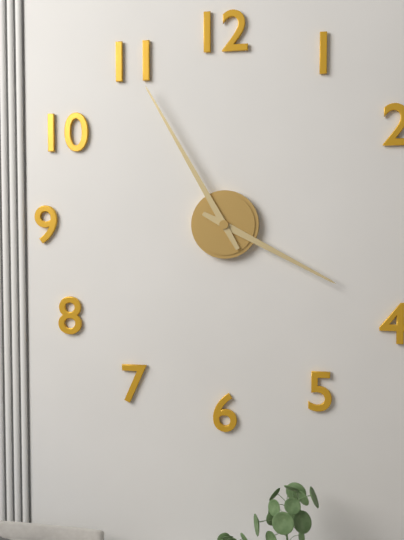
3:55
